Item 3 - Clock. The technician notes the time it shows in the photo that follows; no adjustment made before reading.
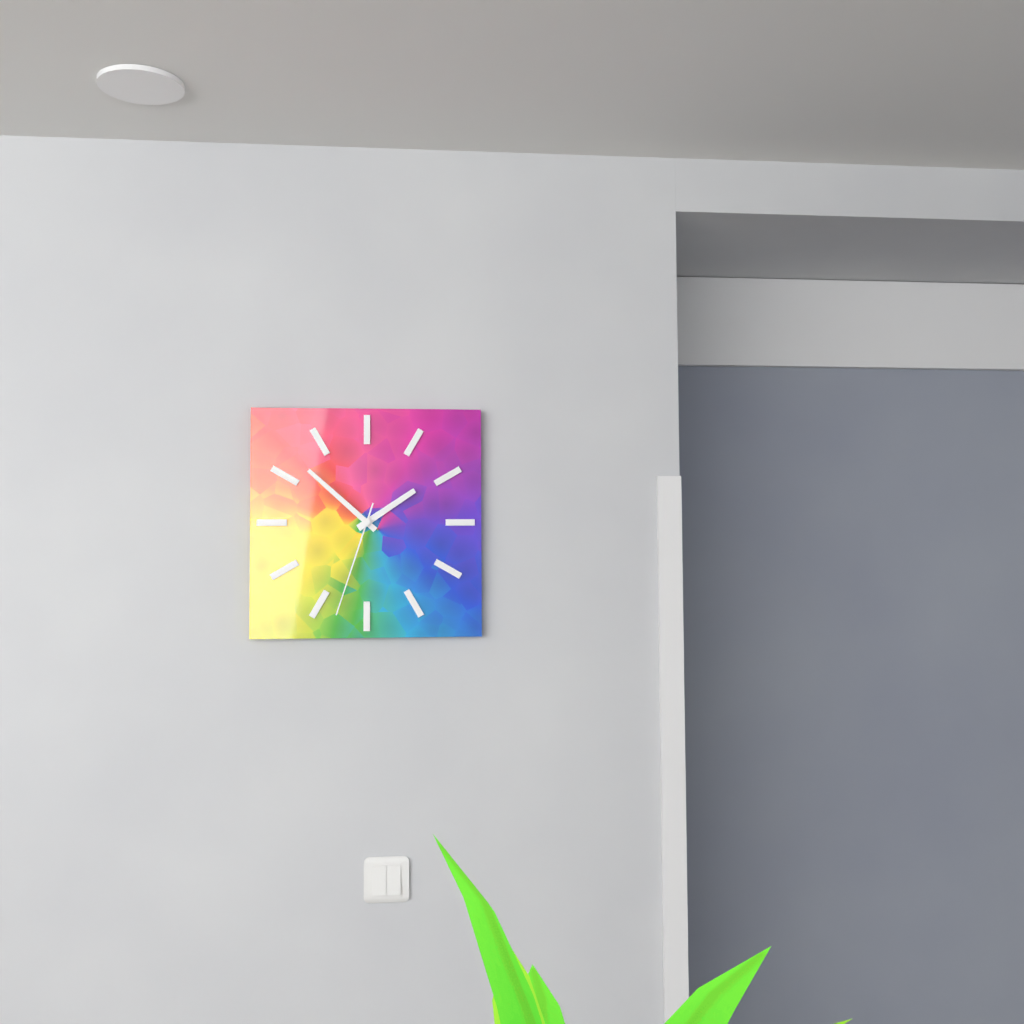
1:52:33
